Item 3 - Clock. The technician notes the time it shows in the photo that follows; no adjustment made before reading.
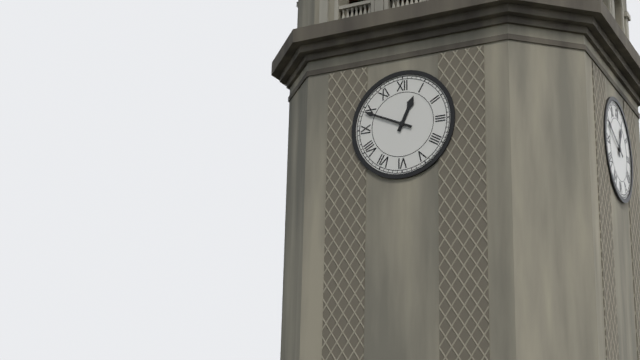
12:49
